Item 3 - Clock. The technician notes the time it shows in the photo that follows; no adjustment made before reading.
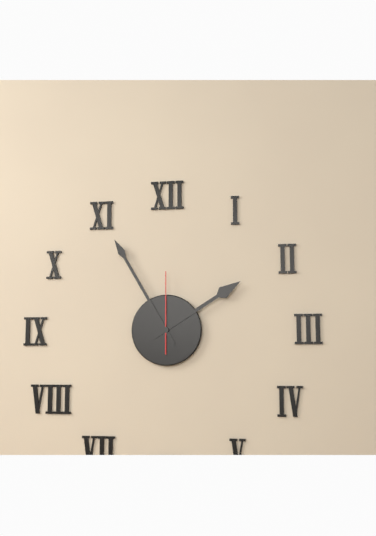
1:55:00
